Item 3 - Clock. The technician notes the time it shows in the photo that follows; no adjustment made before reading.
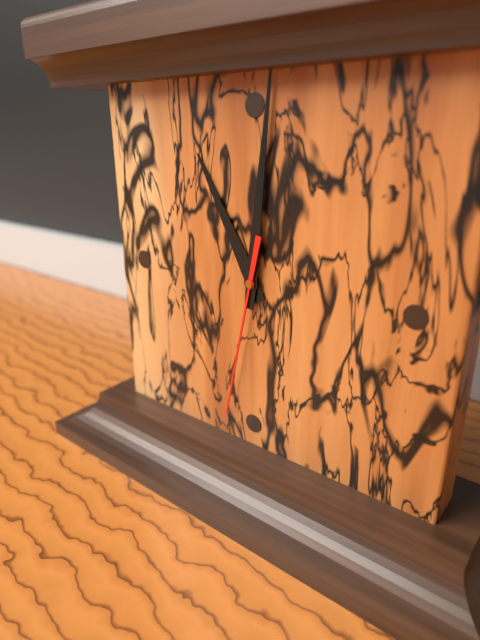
11:01:32
